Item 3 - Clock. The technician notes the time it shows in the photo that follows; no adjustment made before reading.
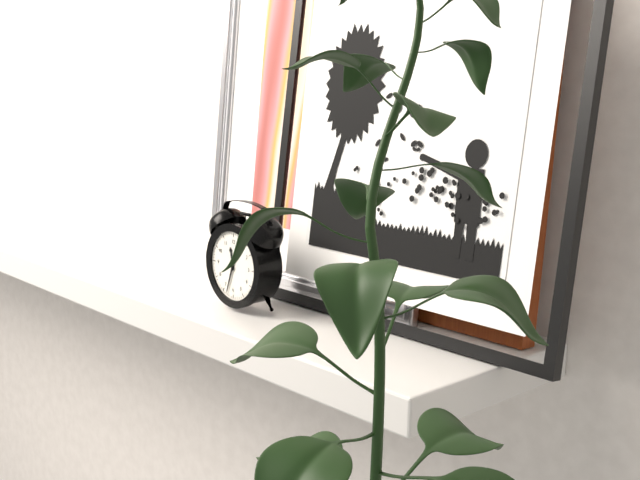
11:33
